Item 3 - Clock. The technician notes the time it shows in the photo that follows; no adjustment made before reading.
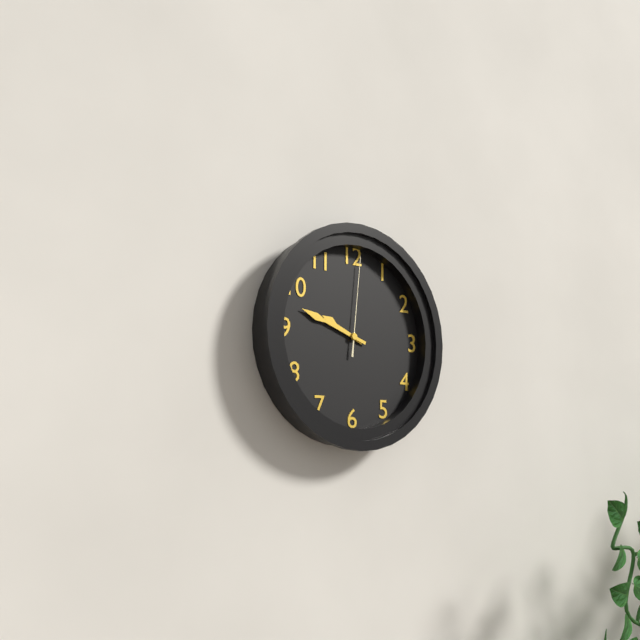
9:48:01
